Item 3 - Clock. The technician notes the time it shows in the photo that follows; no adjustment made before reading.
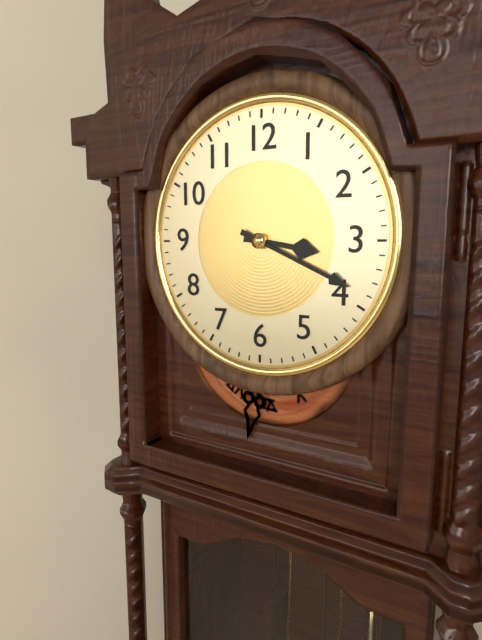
3:19
